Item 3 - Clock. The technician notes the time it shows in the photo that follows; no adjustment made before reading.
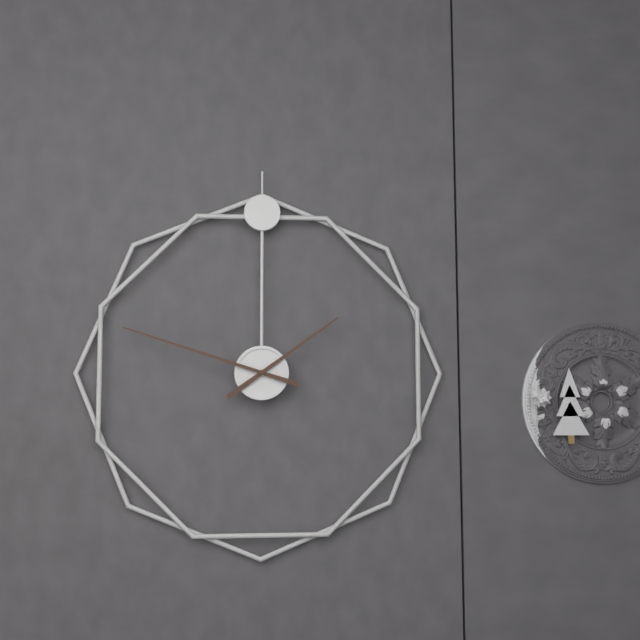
1:48
